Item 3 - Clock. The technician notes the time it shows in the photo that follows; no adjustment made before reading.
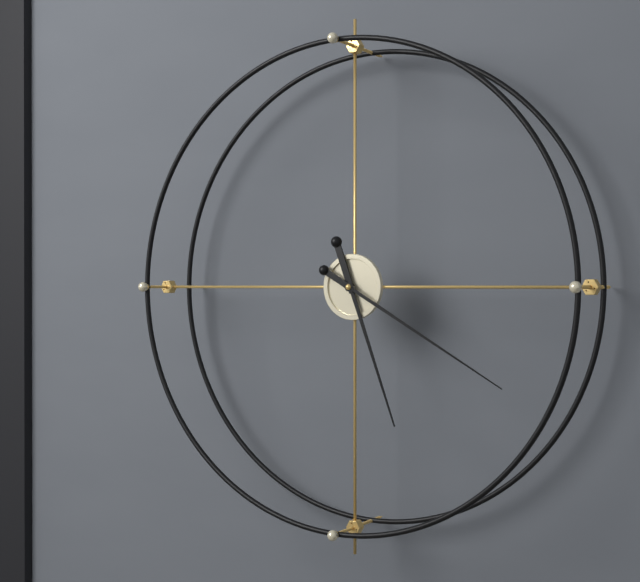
5:20
